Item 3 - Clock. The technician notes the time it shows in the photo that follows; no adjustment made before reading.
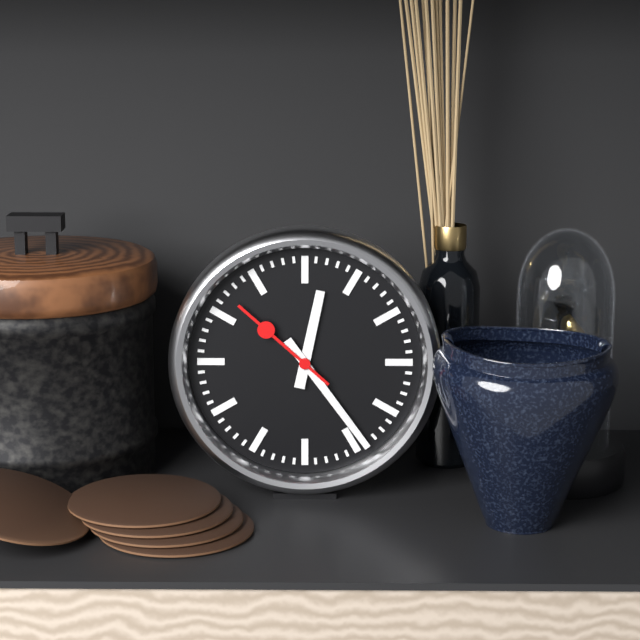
12:24:52
